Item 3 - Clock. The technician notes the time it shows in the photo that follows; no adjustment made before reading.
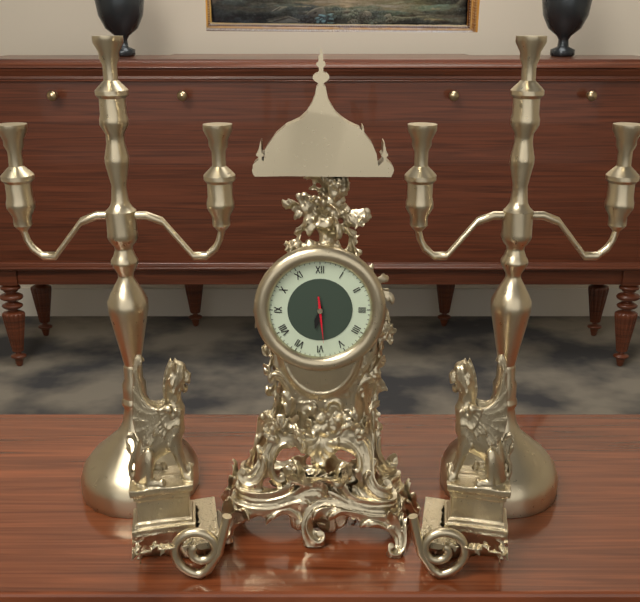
6:29
